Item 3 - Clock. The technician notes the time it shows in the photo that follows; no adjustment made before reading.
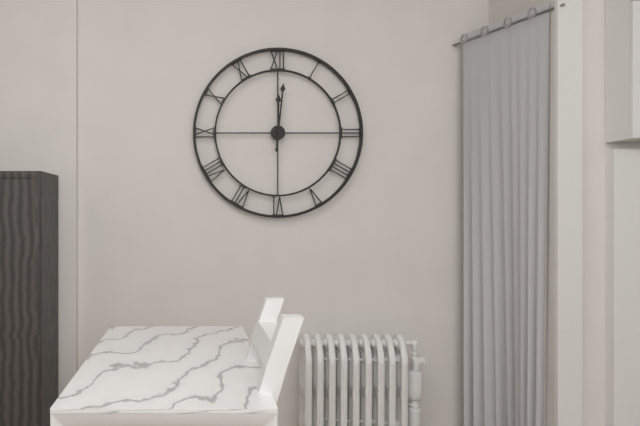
12:01
